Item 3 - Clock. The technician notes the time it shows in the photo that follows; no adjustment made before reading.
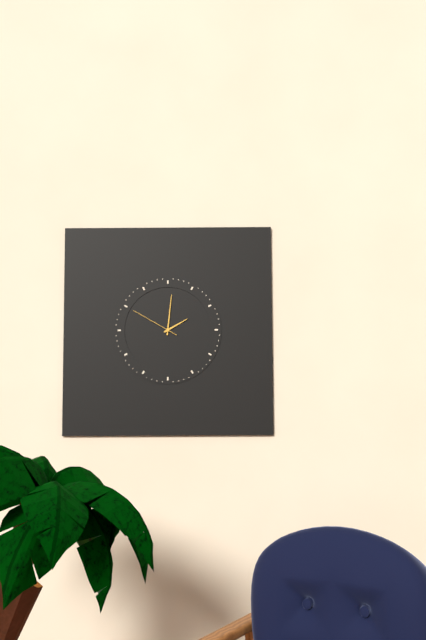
2:01:50
